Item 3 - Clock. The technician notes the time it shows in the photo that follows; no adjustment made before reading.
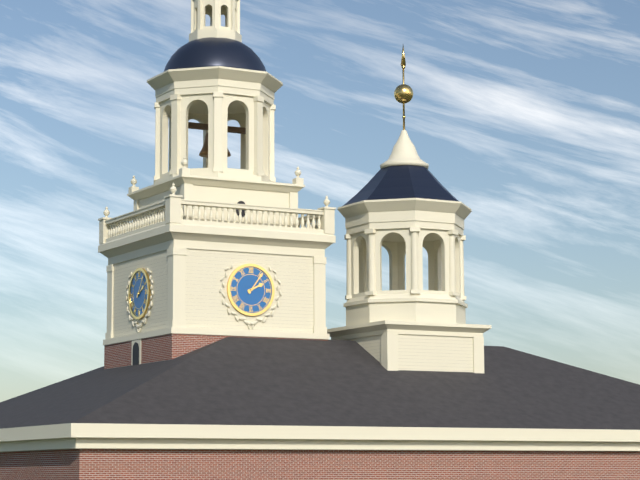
2:06
